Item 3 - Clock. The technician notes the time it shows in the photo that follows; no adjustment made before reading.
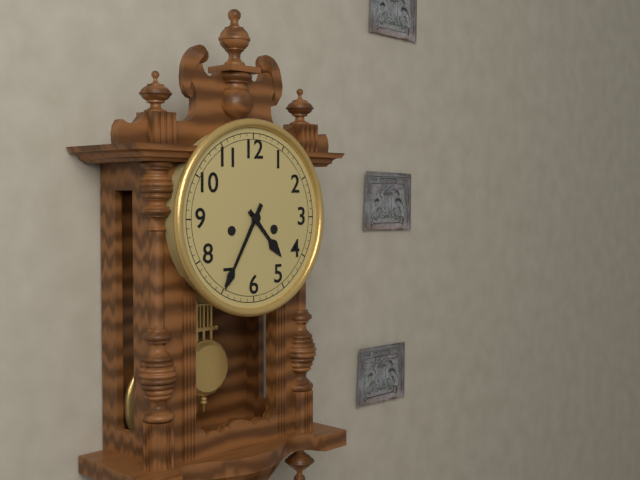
4:35
